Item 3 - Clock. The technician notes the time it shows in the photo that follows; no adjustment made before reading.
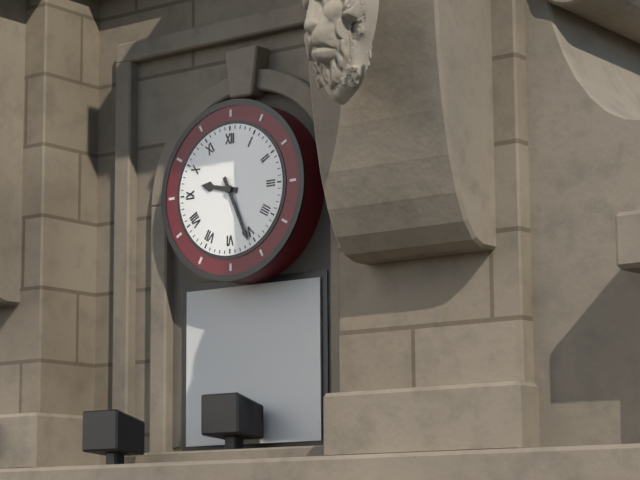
9:26
